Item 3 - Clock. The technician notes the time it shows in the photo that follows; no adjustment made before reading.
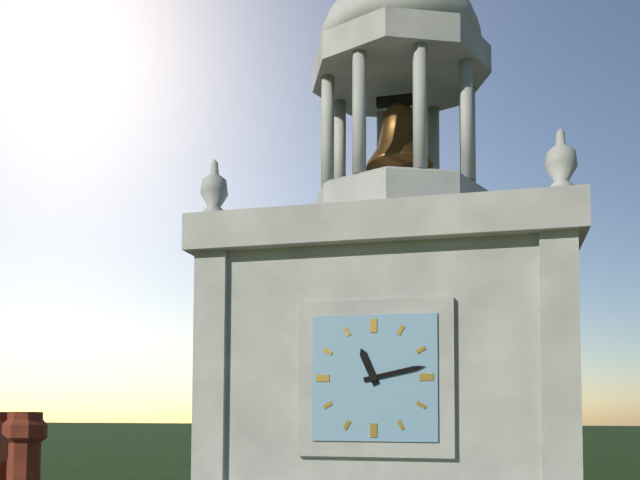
11:13
